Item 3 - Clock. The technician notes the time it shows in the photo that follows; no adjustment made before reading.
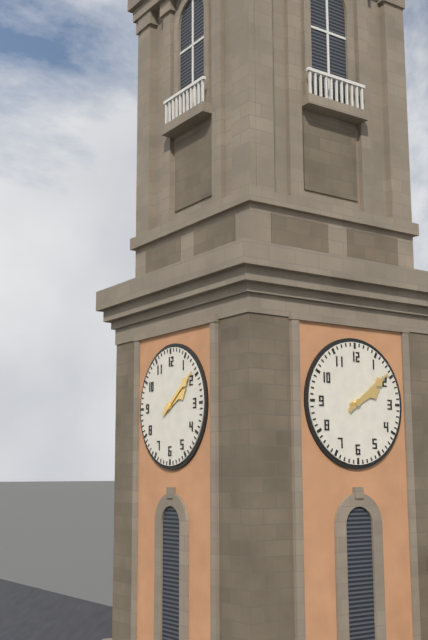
2:09
